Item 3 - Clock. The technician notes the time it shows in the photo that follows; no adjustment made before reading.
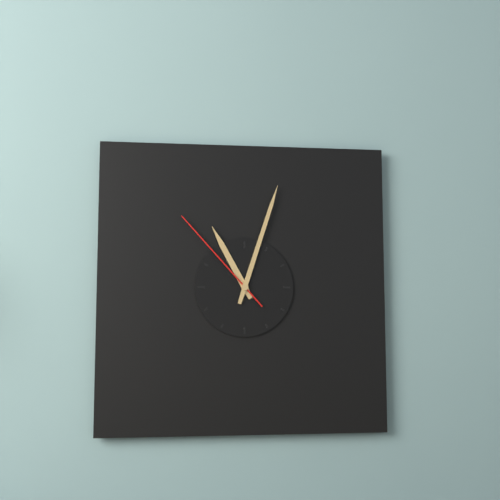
11:03:53
